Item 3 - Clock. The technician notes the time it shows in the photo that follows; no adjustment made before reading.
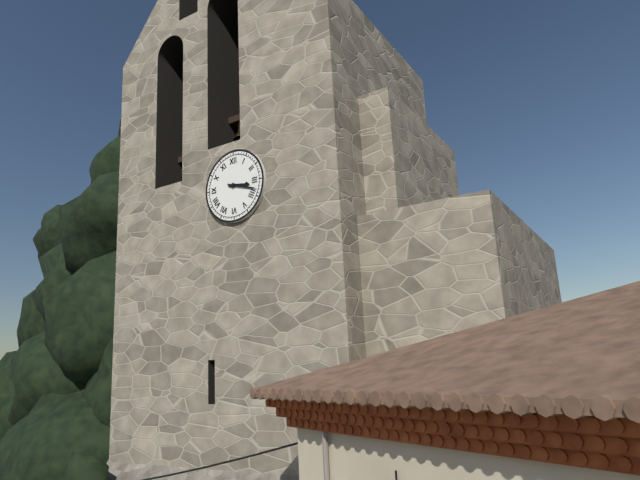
3:18
